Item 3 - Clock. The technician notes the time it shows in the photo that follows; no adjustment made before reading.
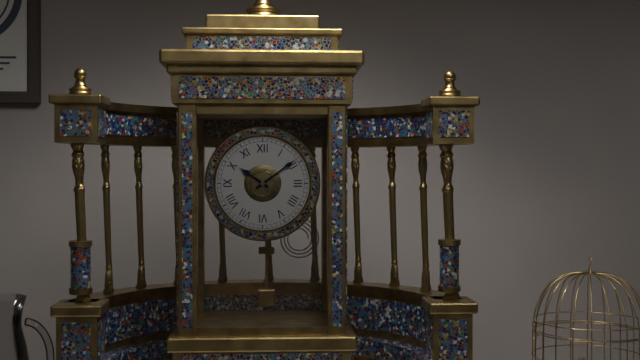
10:09
